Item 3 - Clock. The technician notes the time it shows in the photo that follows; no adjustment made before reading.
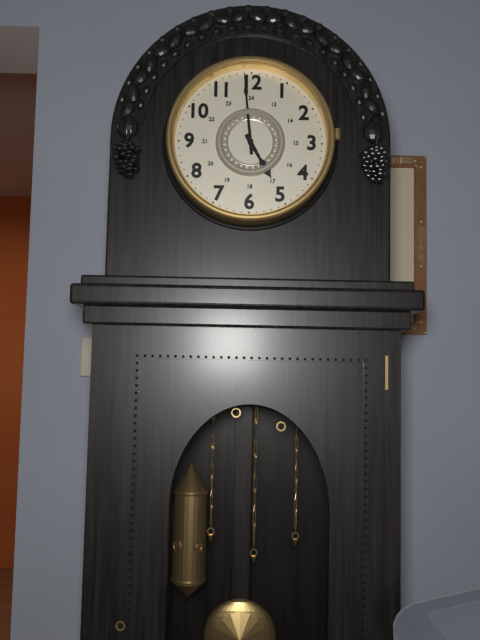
4:59
